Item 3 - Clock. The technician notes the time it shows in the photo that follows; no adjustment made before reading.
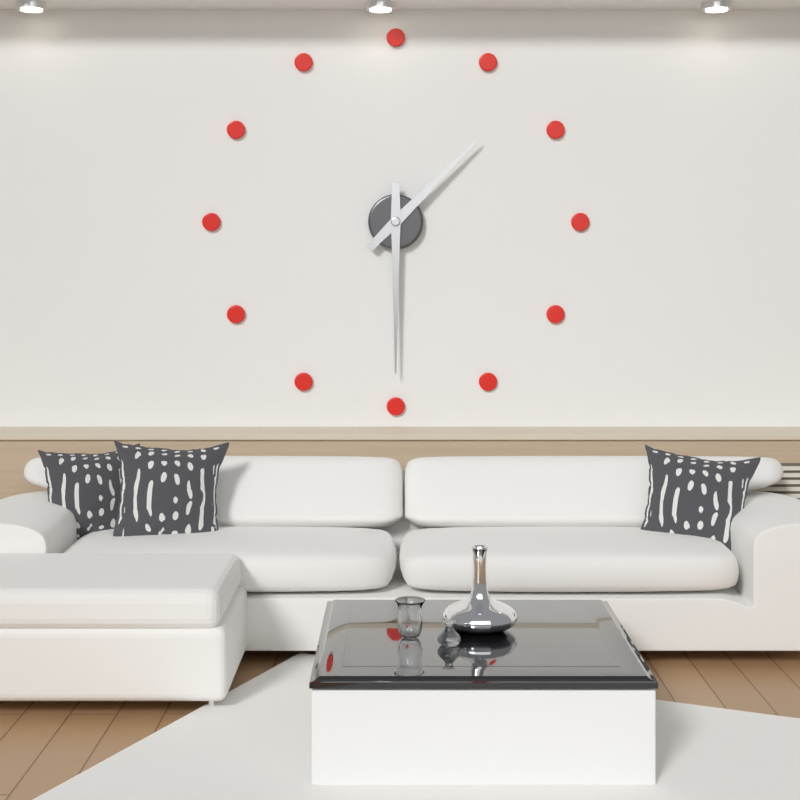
1:30
